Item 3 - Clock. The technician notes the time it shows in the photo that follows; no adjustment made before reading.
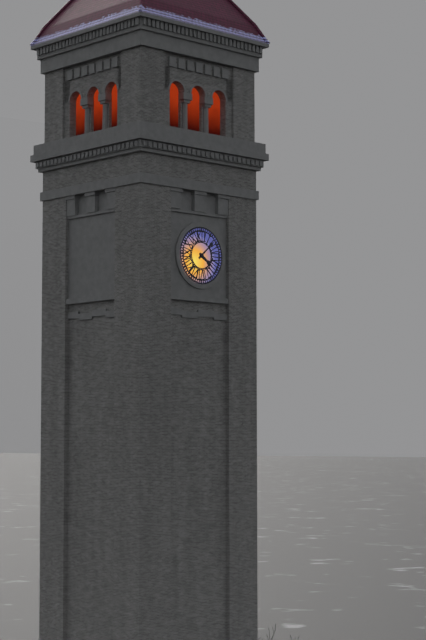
4:08
